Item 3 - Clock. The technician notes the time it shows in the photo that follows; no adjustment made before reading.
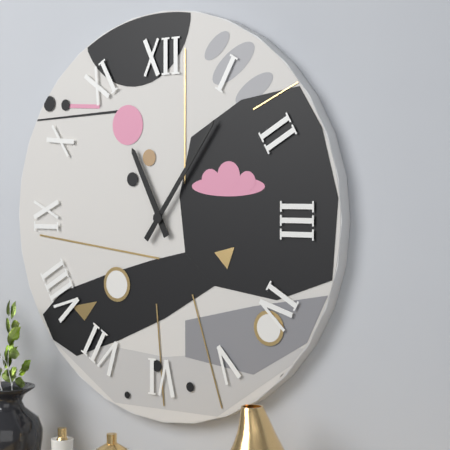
11:06
